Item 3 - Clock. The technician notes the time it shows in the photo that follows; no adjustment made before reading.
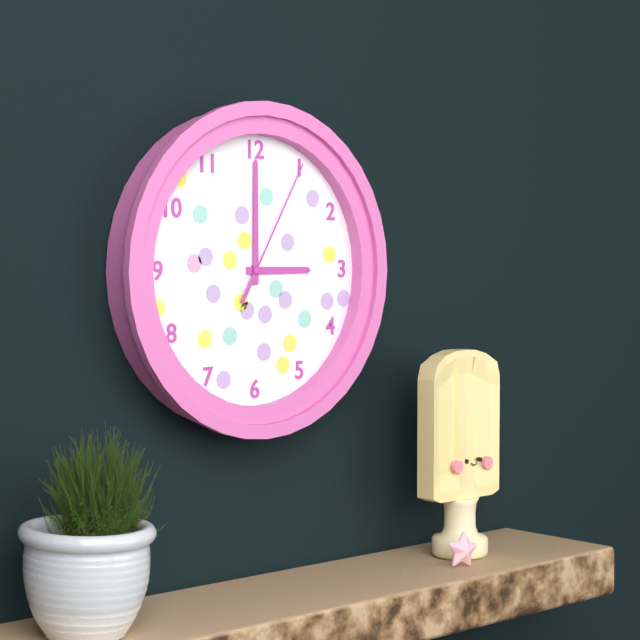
3:00:05
